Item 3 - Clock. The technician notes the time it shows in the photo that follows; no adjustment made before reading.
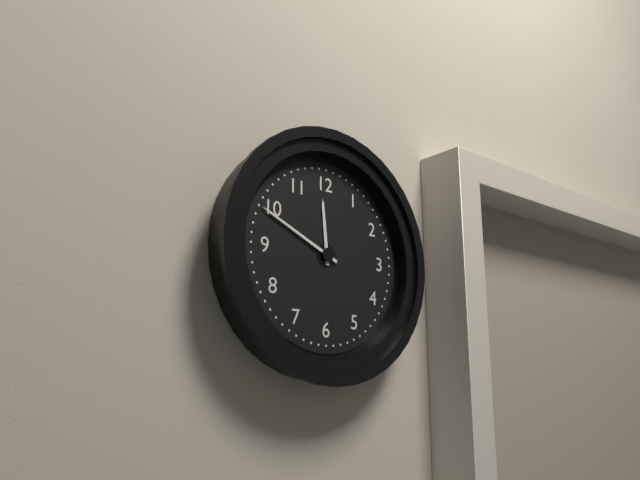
11:49
